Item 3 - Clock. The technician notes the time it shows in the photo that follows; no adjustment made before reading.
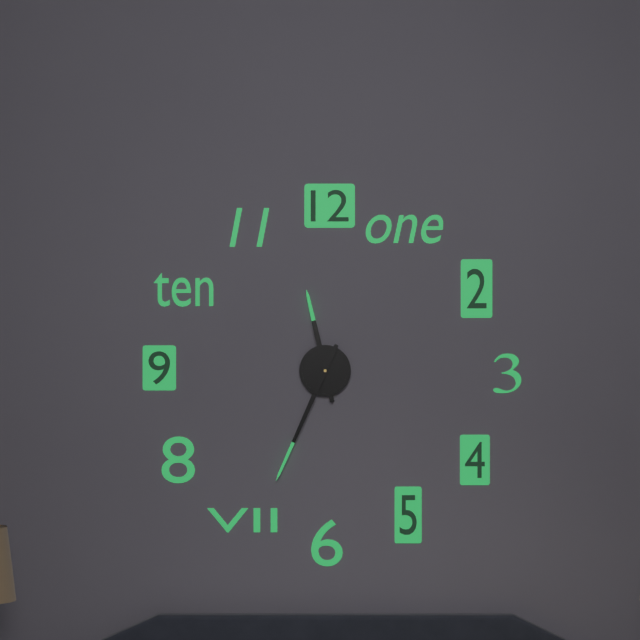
11:34
